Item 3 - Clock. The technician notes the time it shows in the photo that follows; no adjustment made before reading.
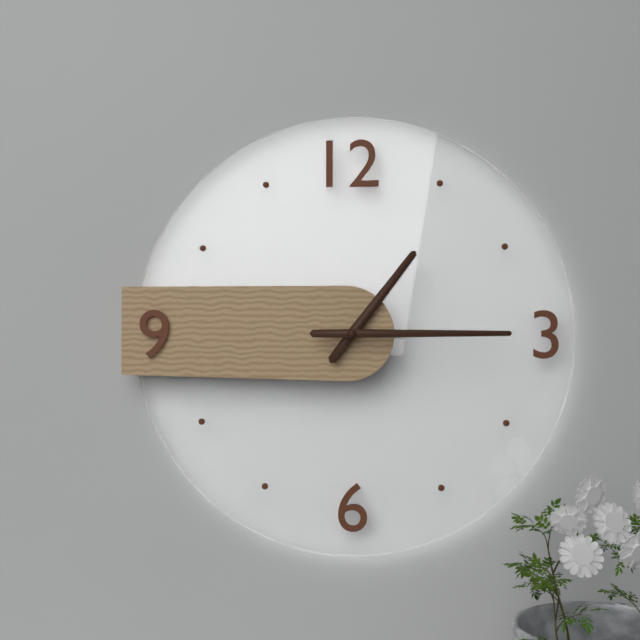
1:15
